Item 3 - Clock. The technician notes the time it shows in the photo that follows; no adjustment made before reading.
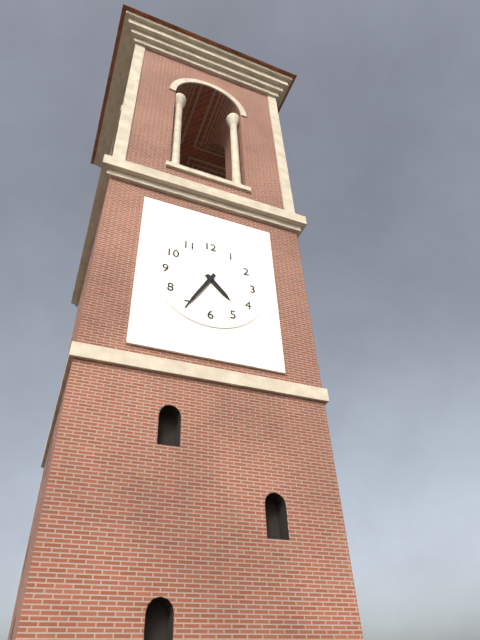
4:35
